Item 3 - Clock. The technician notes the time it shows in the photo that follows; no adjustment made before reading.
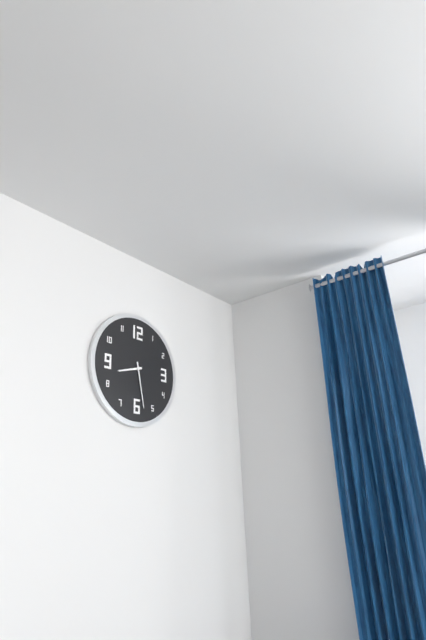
8:28
